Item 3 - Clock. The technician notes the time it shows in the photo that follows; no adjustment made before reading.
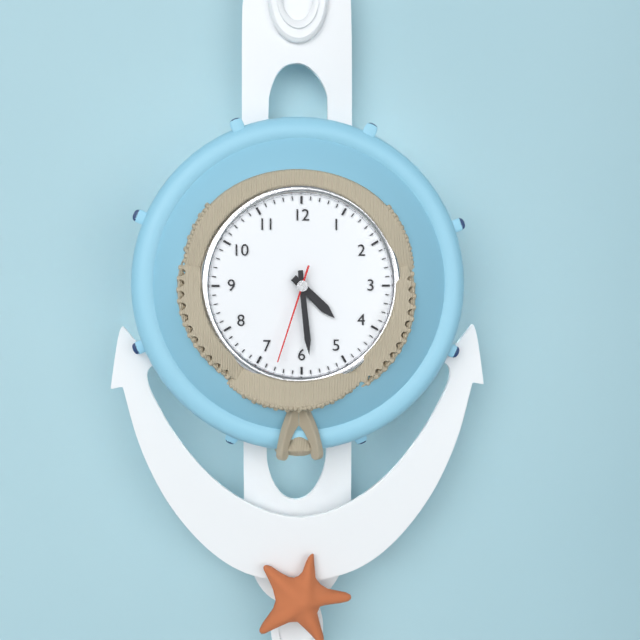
4:29:33
